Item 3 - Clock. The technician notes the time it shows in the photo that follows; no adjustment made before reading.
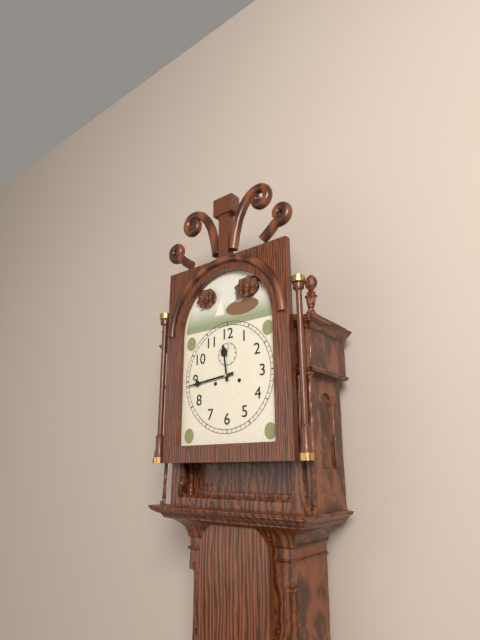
11:44
